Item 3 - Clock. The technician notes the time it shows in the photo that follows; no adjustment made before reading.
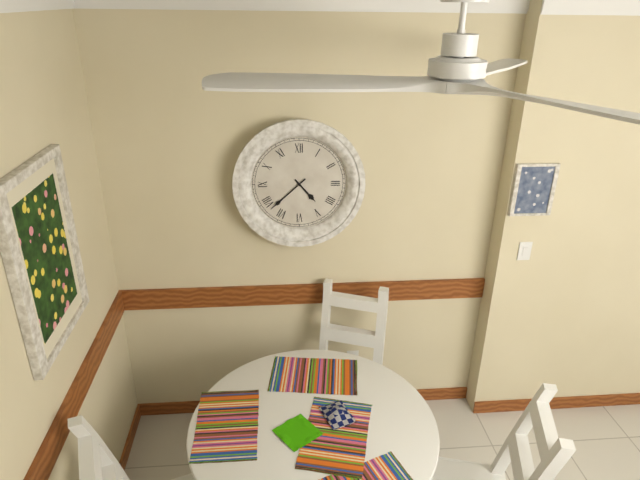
4:38
